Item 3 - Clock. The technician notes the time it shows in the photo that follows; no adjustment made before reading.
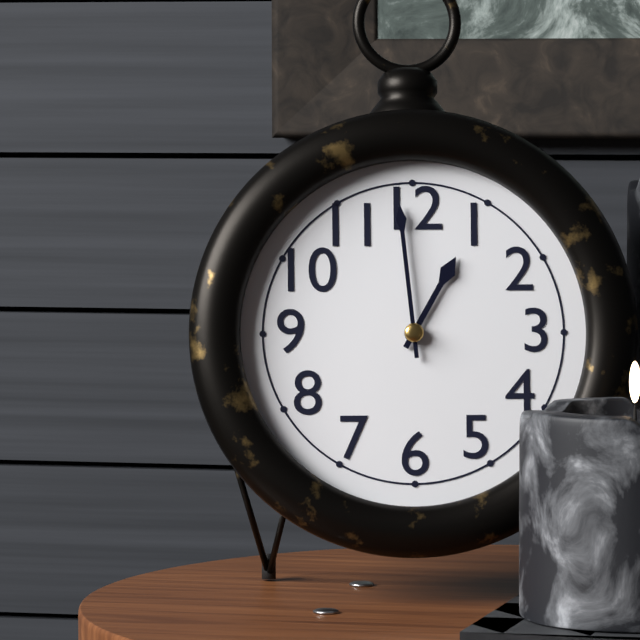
12:59
